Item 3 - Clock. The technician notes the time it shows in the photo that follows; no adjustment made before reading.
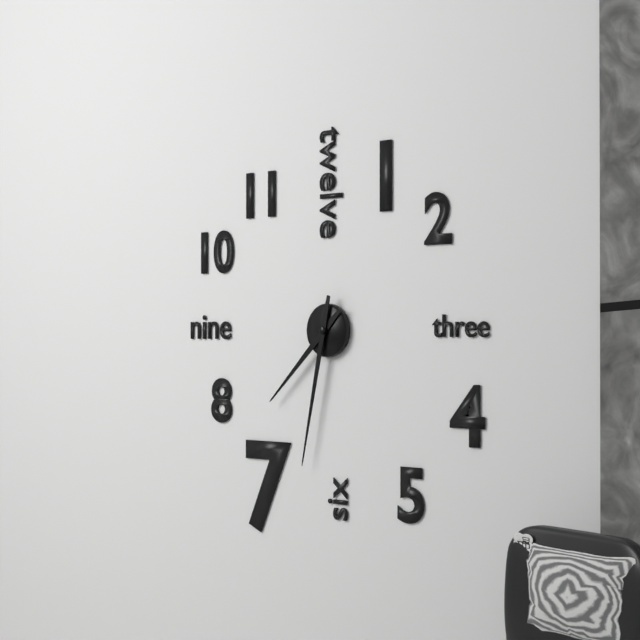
7:32
